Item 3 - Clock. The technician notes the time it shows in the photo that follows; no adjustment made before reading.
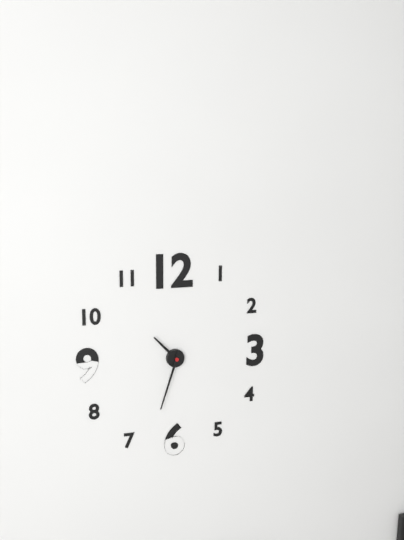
10:33
